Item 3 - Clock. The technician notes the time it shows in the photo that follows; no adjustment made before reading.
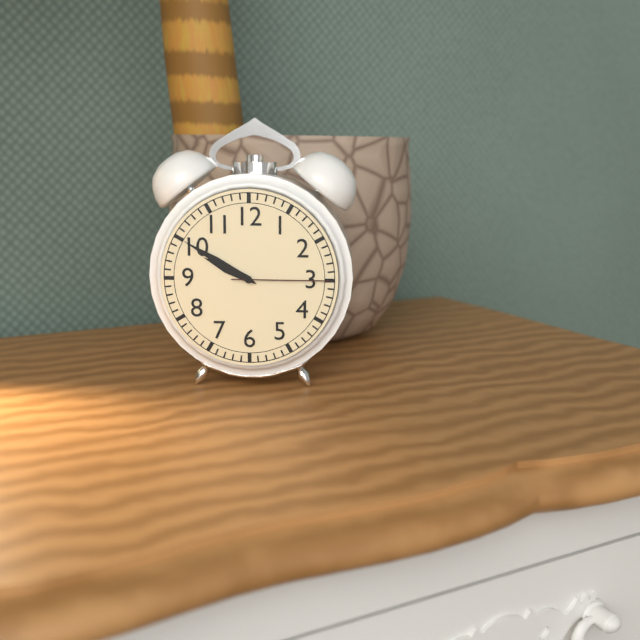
9:50:15
